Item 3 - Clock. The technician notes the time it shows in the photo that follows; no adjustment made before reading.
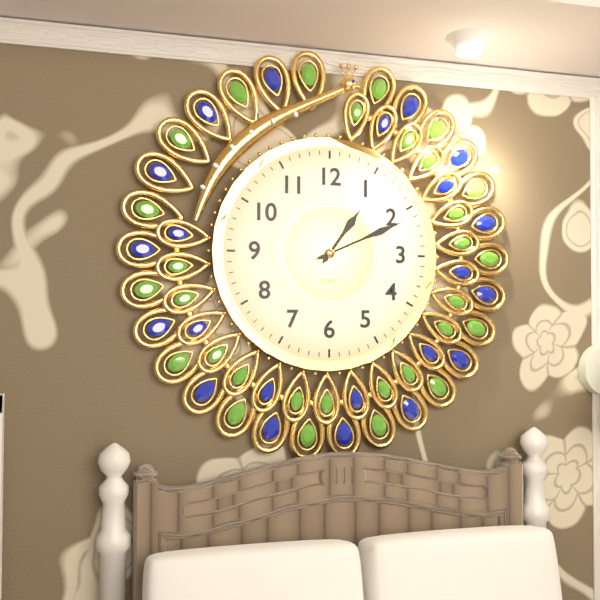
1:11
